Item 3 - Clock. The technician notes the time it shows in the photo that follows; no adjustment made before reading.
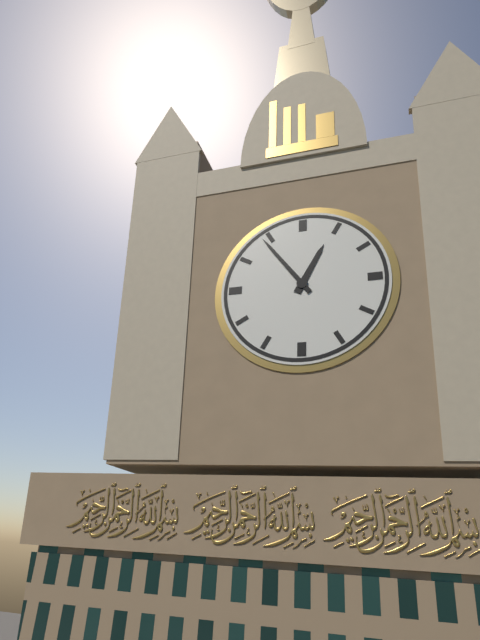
12:54
